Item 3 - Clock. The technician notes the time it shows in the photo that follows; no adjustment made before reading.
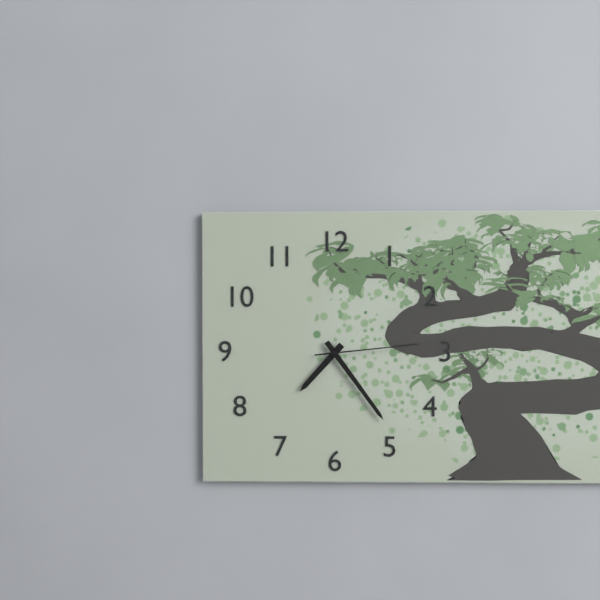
7:24:14
